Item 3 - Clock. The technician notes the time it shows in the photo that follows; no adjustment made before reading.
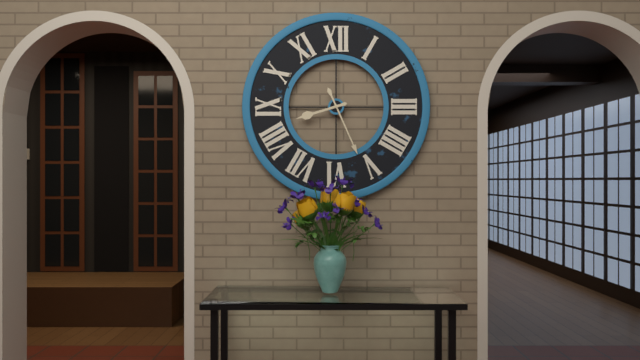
8:26
